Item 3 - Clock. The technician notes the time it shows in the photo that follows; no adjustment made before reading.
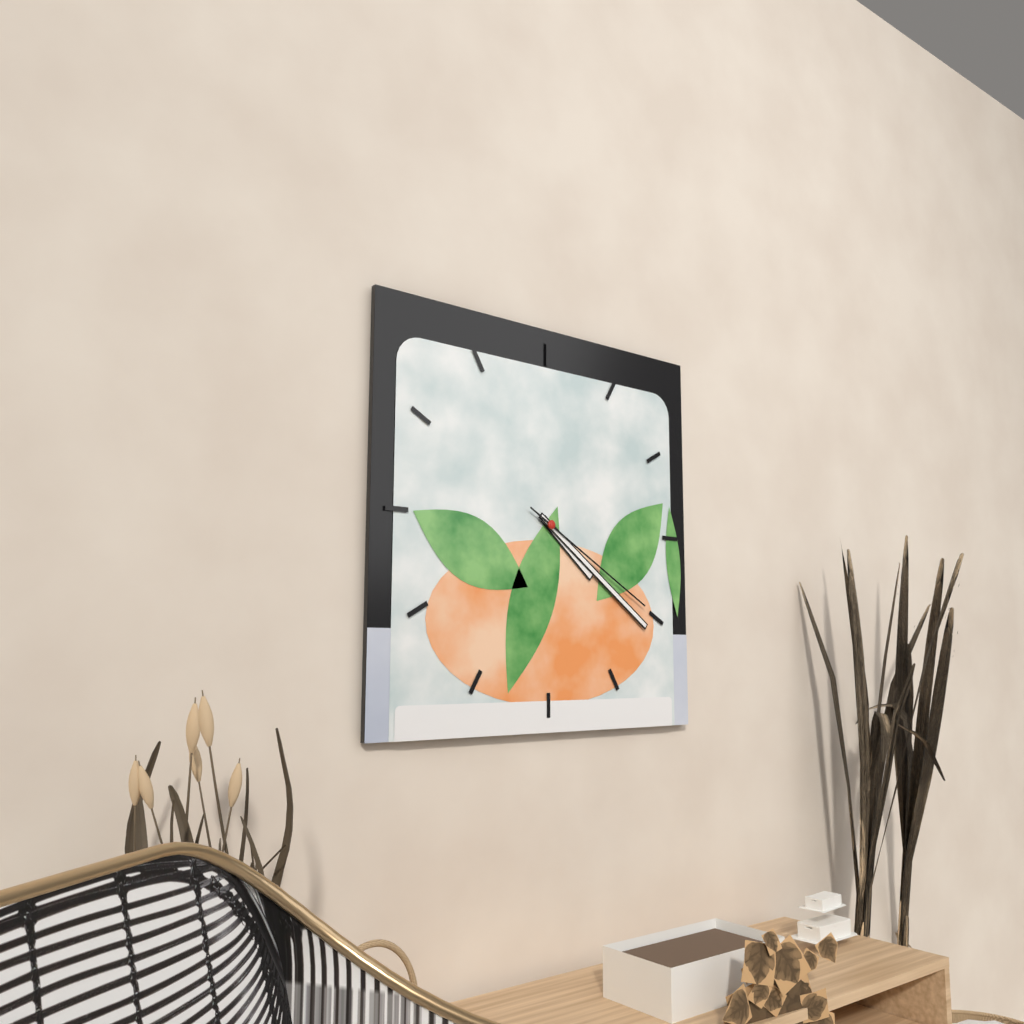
4:21:20
